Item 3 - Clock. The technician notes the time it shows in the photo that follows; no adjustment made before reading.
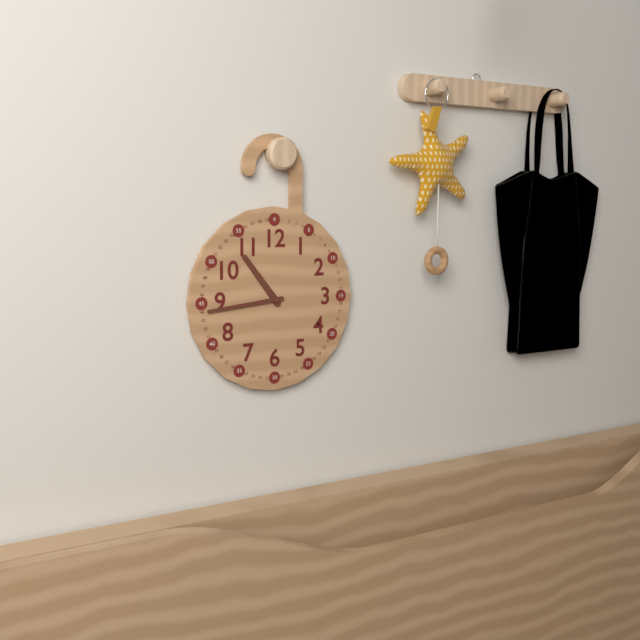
10:44
